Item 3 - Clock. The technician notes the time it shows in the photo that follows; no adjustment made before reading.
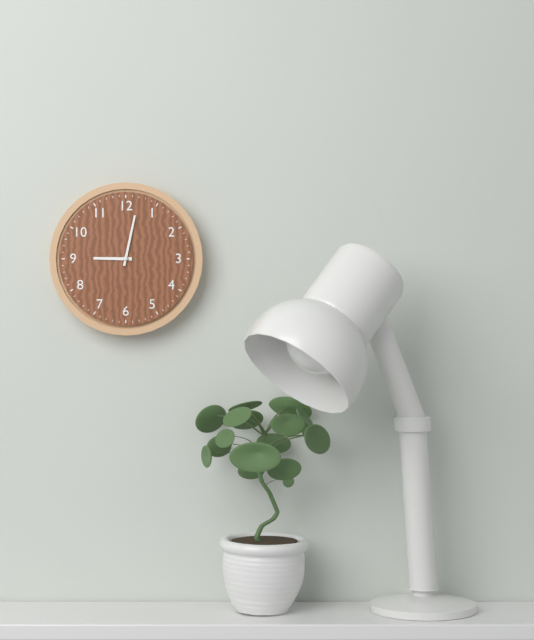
9:02
